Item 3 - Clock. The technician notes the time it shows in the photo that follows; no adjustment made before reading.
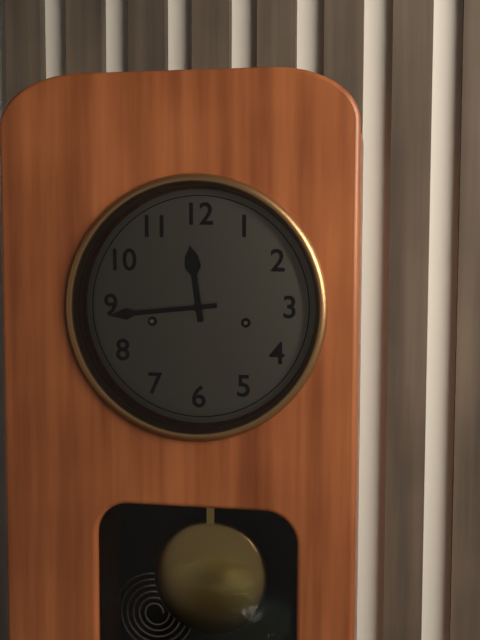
11:44
